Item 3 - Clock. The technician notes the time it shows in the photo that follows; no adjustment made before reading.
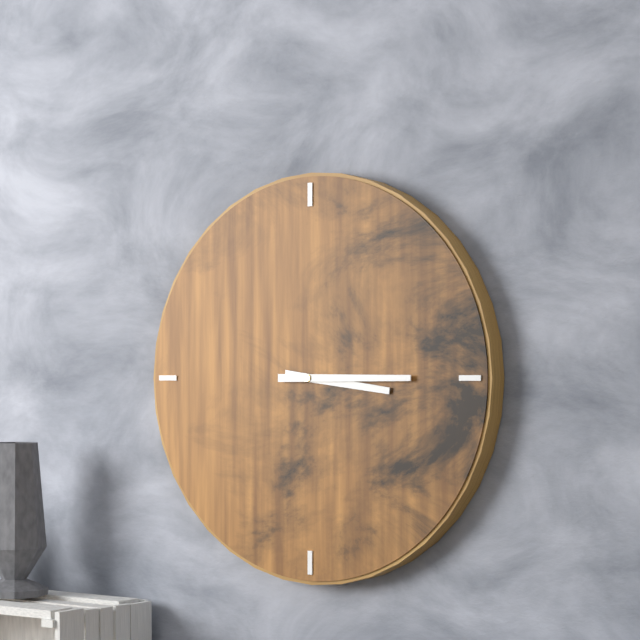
3:15
